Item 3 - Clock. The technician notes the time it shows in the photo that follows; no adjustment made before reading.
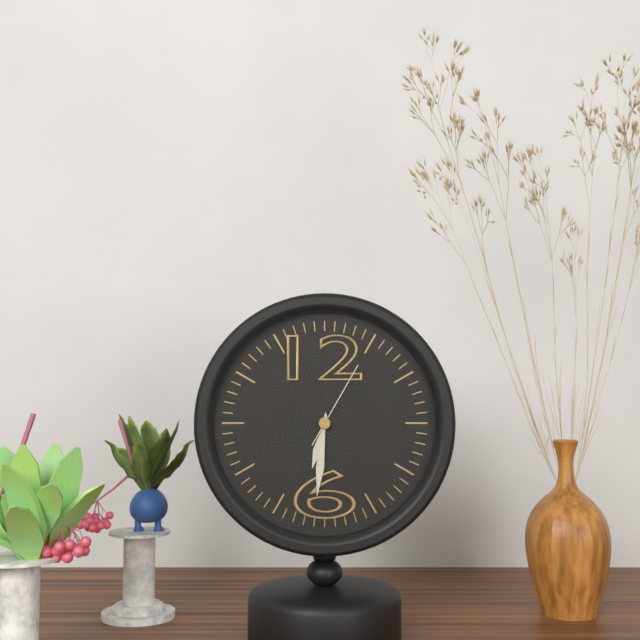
6:31:05
